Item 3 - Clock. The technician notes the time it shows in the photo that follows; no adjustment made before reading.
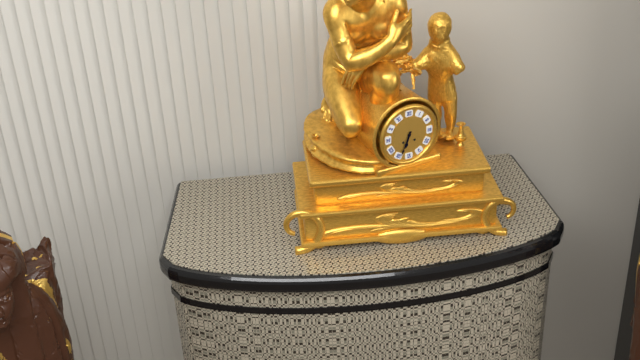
6:34
